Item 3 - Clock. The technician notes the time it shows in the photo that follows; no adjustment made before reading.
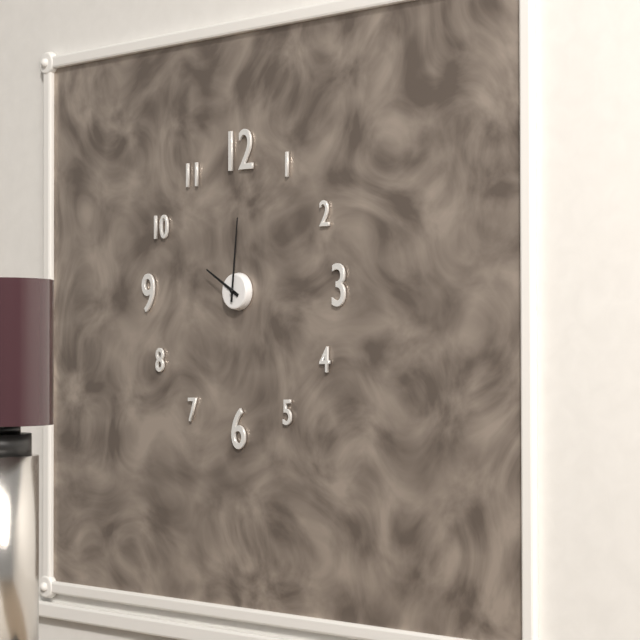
10:01
